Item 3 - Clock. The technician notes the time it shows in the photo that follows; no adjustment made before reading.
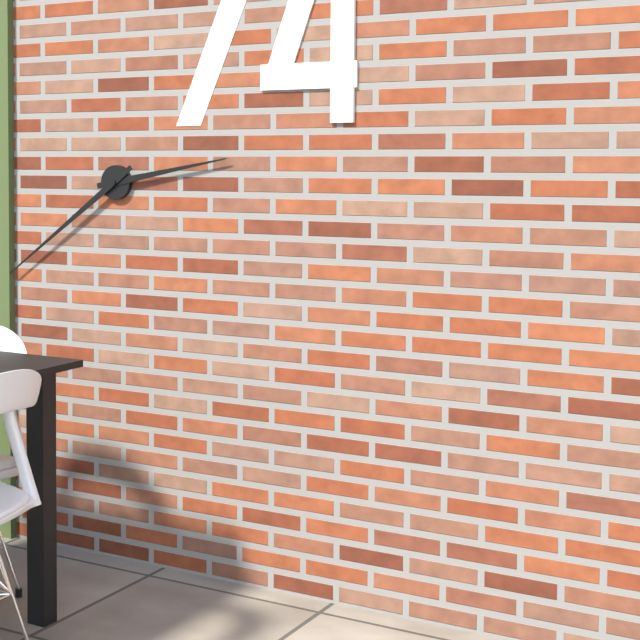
2:39
